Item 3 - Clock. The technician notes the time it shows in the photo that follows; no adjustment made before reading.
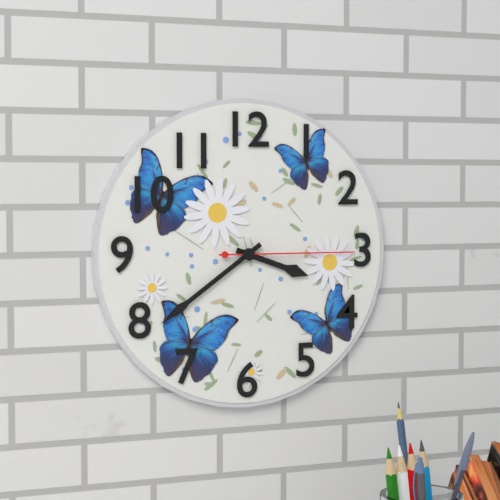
3:39:15
